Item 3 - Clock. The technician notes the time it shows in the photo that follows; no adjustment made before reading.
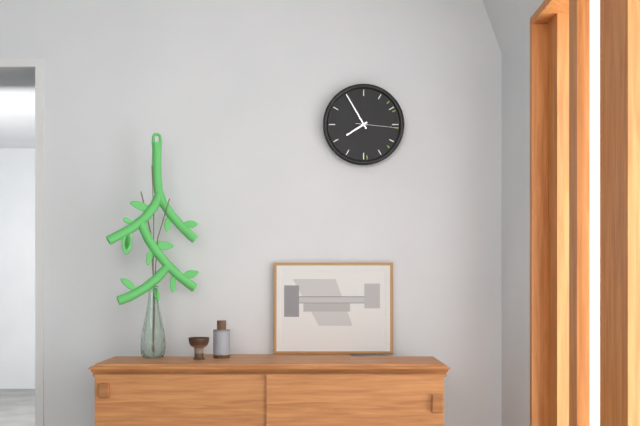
7:55
